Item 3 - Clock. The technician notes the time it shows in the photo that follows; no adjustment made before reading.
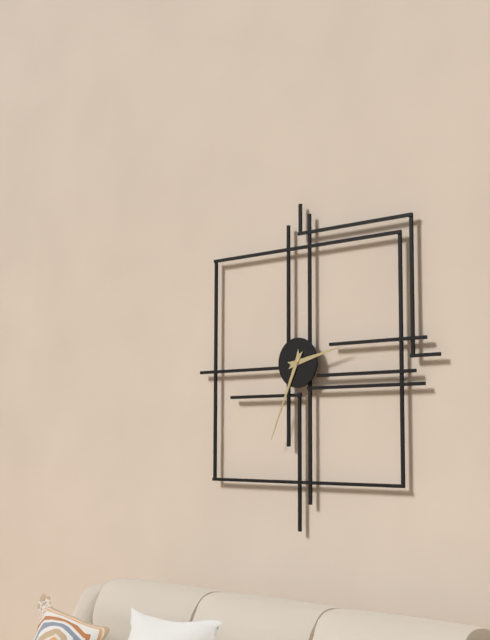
2:34
